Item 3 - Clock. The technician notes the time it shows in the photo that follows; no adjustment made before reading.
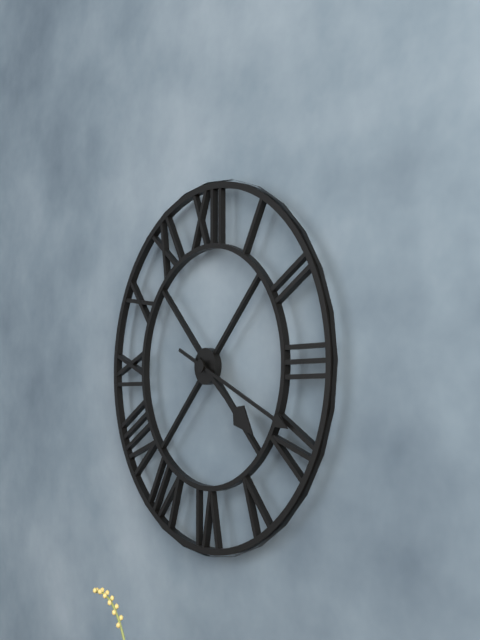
4:19
